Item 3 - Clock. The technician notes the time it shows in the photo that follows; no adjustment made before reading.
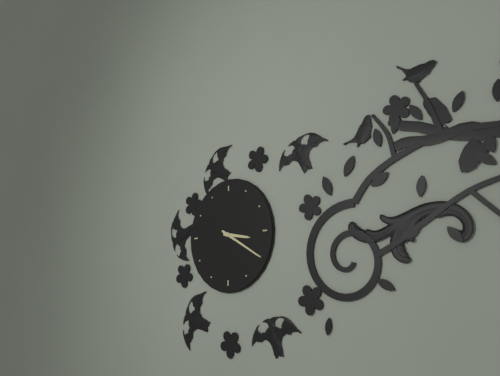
3:20
